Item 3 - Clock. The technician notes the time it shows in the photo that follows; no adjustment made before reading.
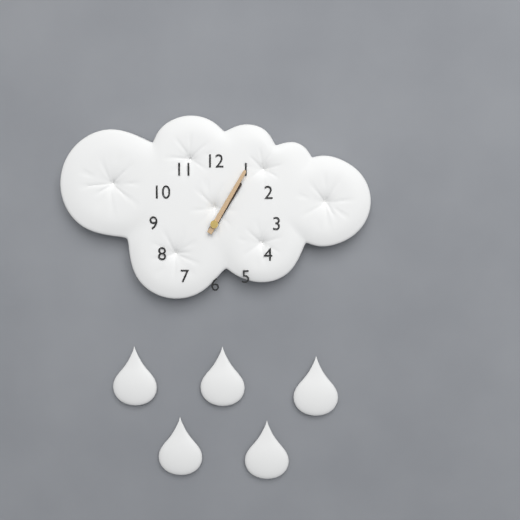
1:05
